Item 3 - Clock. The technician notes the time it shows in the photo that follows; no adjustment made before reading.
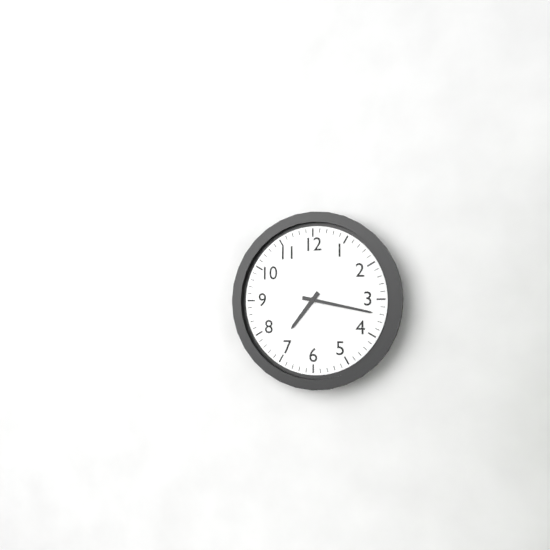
7:17
